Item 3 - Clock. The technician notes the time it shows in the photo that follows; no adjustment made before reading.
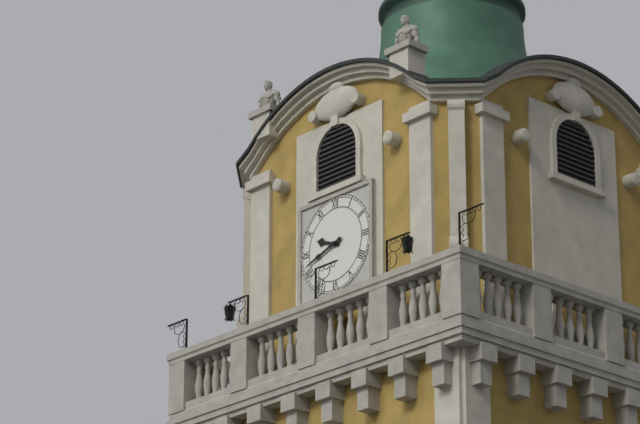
9:42
